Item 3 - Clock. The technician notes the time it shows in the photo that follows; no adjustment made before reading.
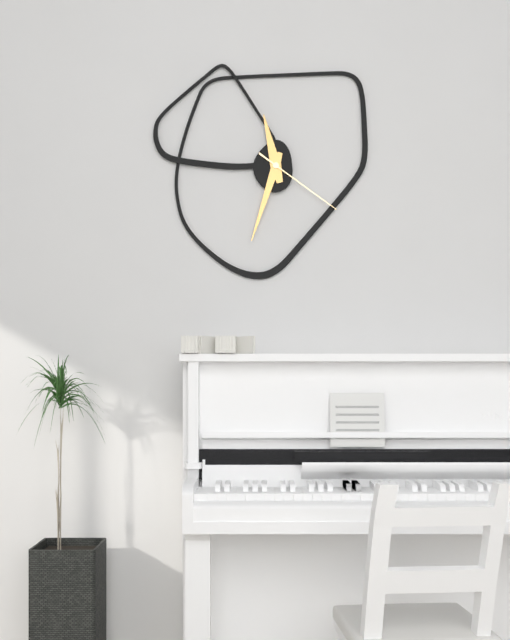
11:33:21
